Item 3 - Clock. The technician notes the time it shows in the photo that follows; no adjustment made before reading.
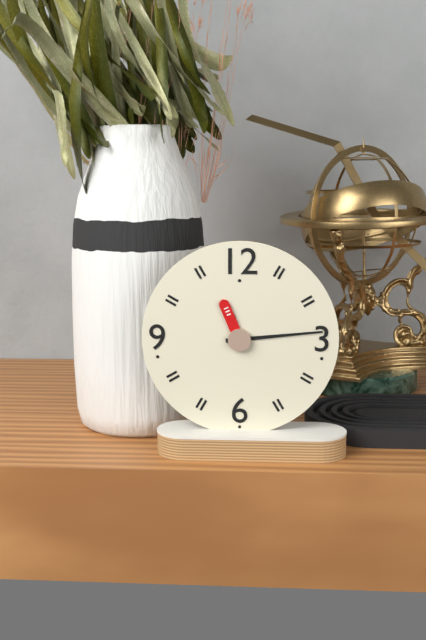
11:14
